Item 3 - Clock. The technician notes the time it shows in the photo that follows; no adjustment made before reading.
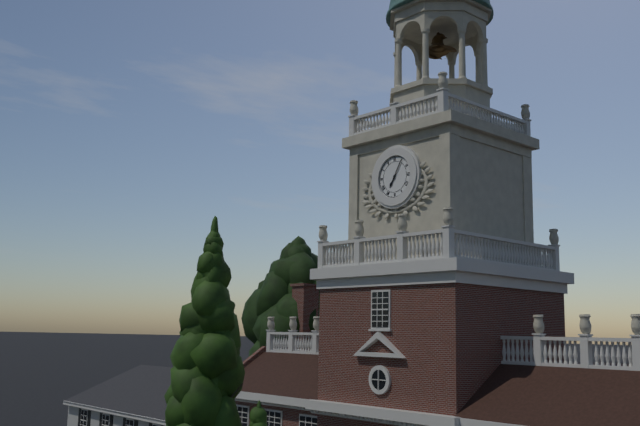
7:05
